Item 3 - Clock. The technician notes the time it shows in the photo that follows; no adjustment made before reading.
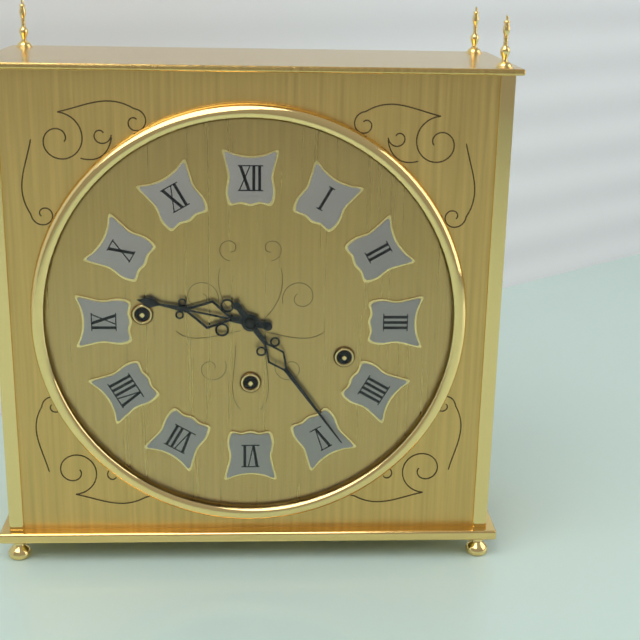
9:24
